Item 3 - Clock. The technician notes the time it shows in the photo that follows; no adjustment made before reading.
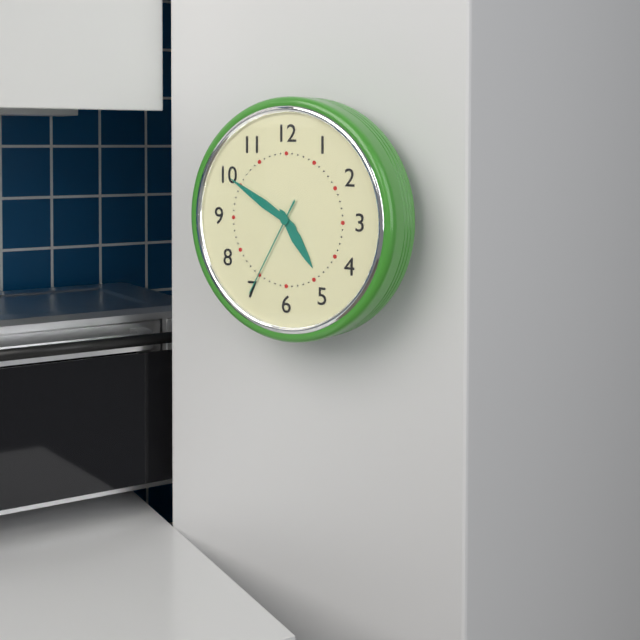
4:50:35
